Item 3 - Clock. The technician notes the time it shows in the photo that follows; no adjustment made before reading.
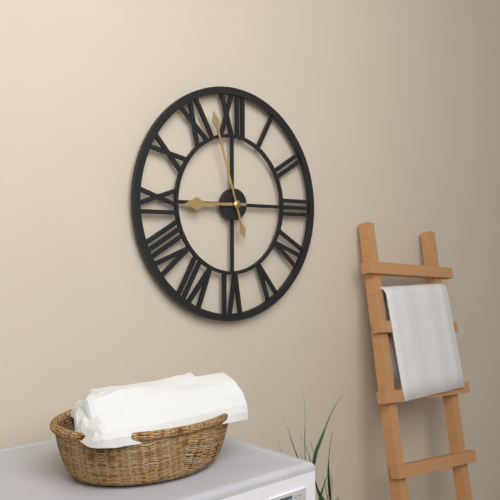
8:57
